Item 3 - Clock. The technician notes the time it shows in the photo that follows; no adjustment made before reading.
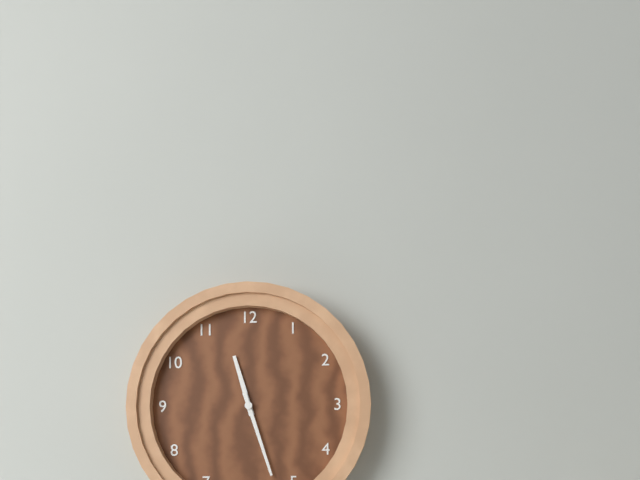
11:27
